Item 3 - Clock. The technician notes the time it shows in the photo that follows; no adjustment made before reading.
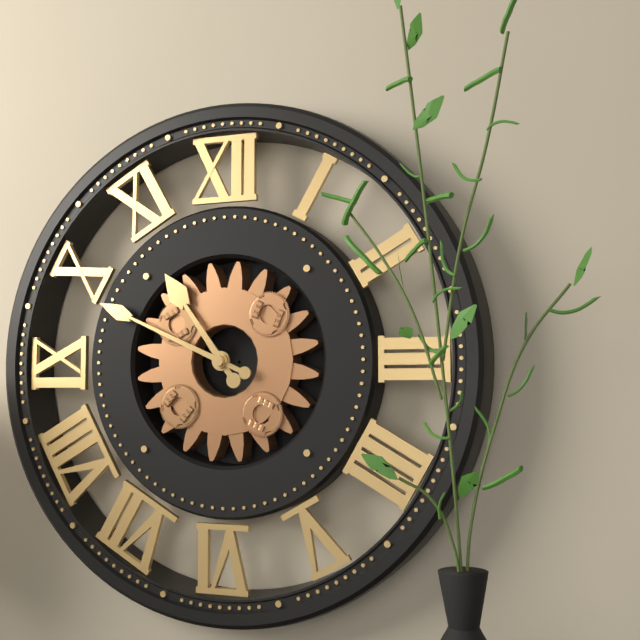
10:49
